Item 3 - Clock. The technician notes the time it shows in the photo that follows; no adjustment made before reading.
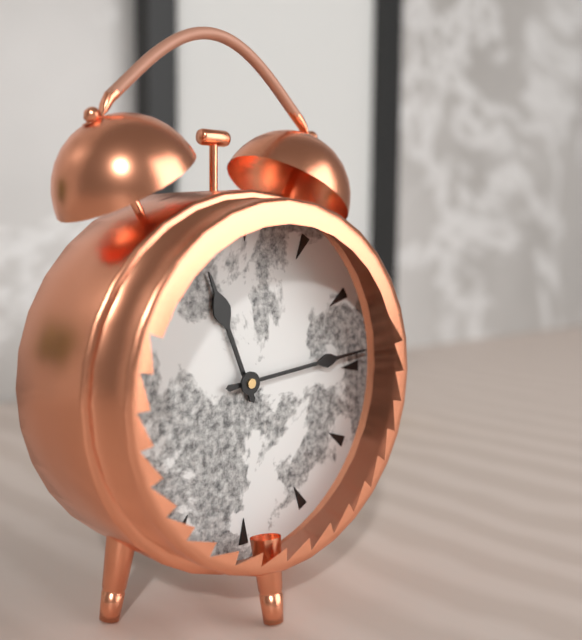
11:14
